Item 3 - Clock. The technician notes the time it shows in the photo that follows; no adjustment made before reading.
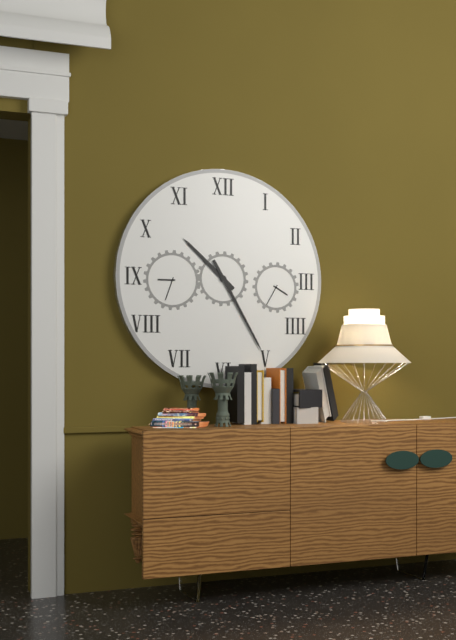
10:25
